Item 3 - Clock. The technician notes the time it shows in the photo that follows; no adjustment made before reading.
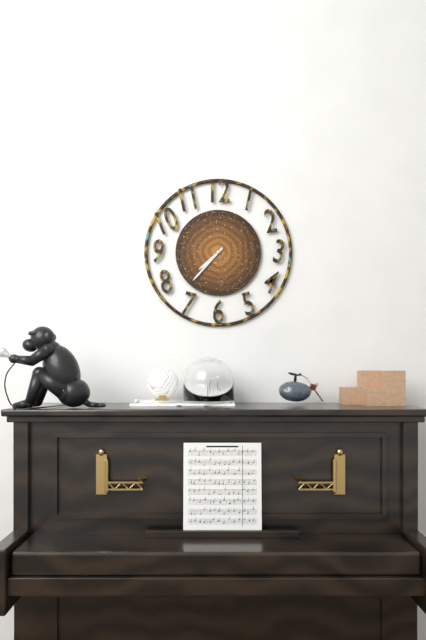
7:37
